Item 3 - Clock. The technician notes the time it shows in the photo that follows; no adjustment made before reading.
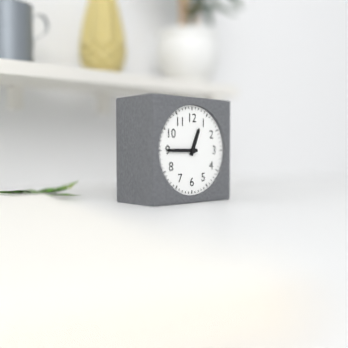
12:45
